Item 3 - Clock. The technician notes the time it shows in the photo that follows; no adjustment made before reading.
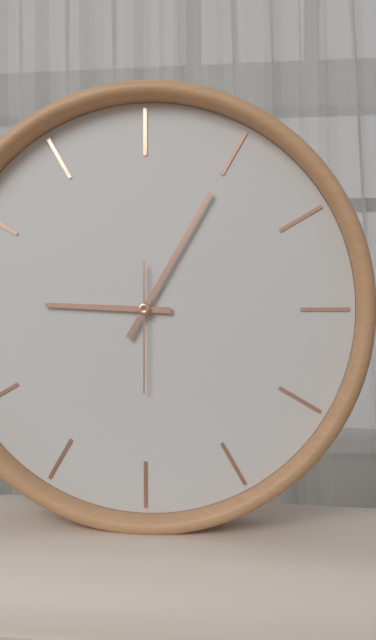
9:05:30
